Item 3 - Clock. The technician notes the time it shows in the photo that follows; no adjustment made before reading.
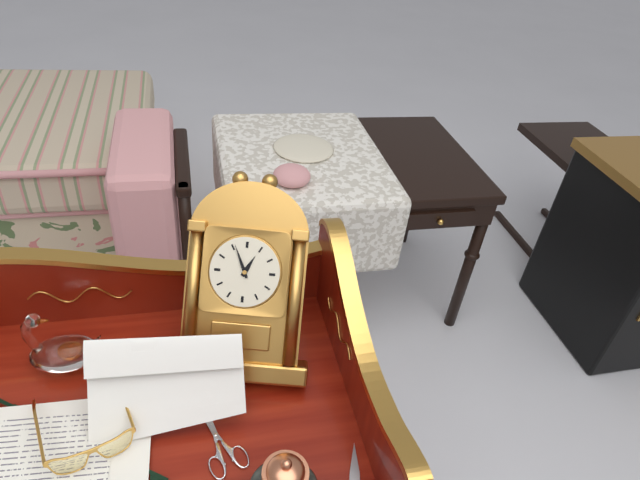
12:56
